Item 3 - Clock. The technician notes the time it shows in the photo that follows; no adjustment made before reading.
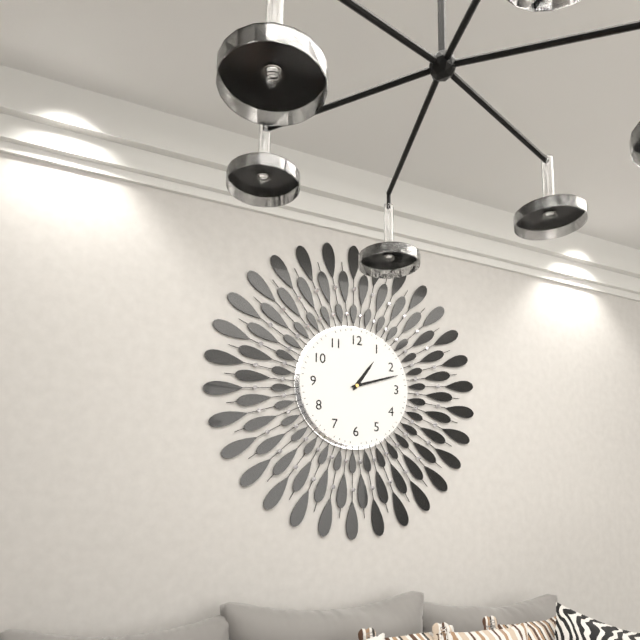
1:12
